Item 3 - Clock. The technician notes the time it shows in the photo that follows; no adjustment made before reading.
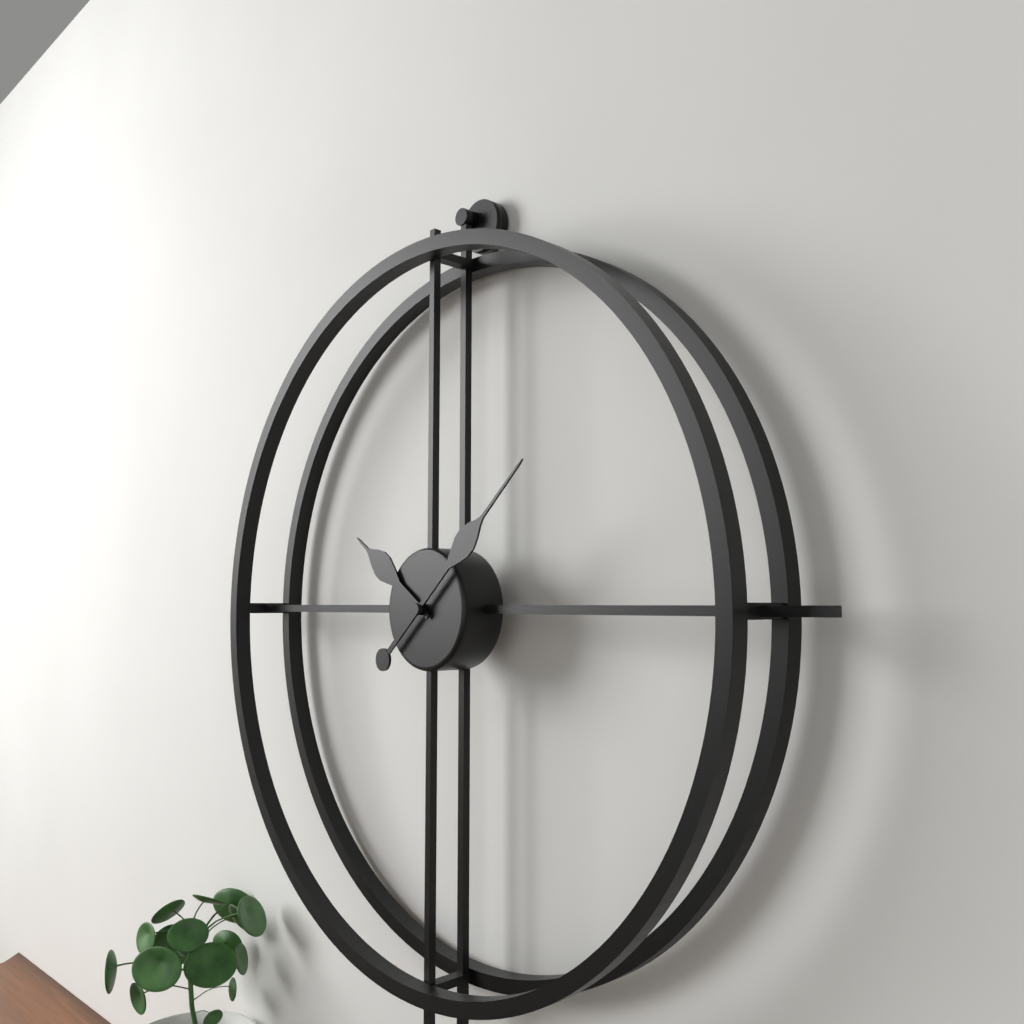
10:08
